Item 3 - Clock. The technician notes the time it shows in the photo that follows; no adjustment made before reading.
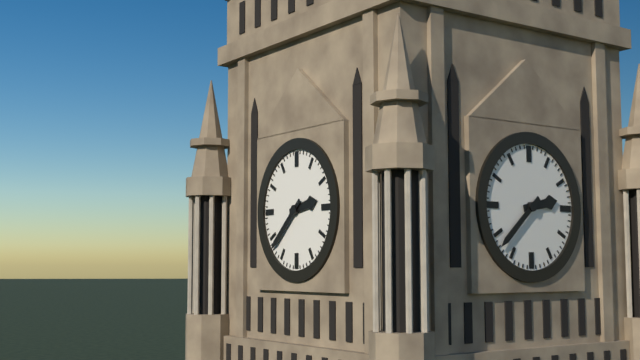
2:38
